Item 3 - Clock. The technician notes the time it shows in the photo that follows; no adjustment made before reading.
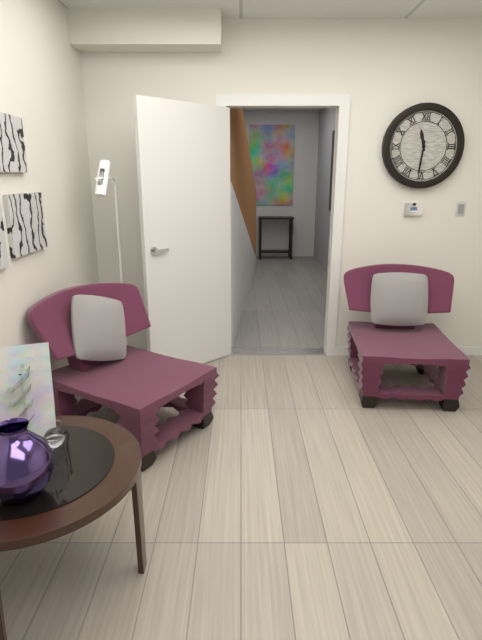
11:31
